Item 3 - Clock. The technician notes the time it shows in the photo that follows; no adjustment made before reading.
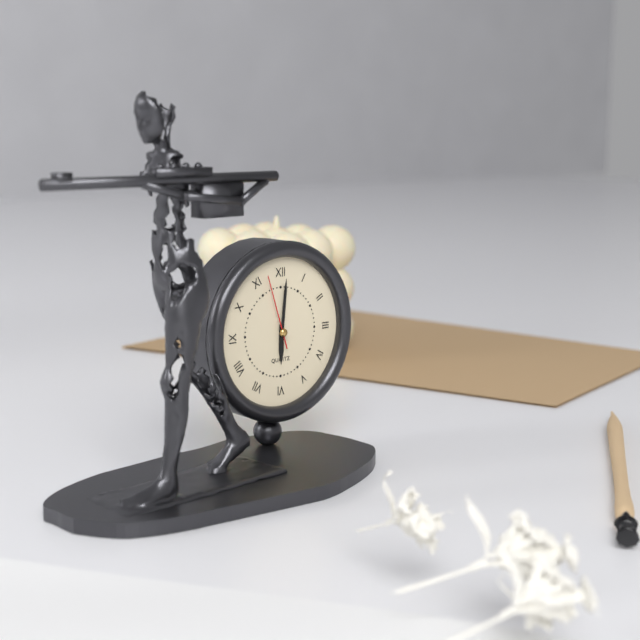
6:01:57
